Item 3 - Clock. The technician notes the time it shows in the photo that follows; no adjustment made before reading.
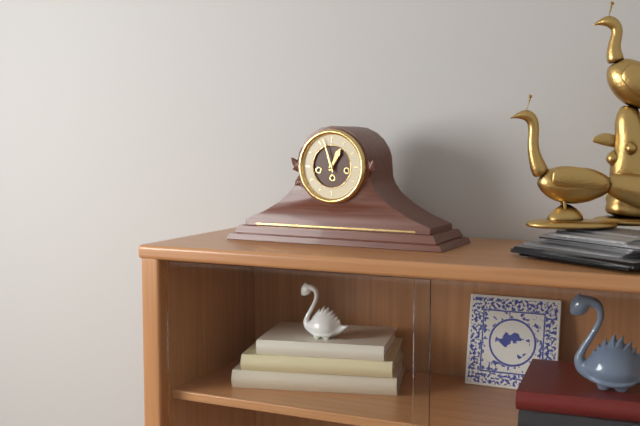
12:57
